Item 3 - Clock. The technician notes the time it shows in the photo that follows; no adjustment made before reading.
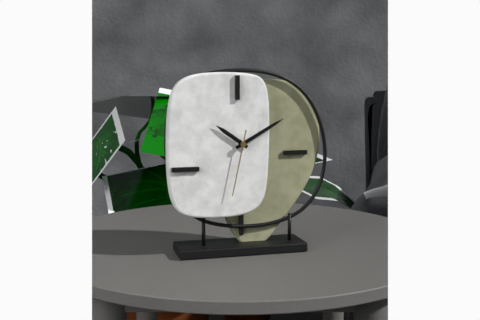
10:10:32
